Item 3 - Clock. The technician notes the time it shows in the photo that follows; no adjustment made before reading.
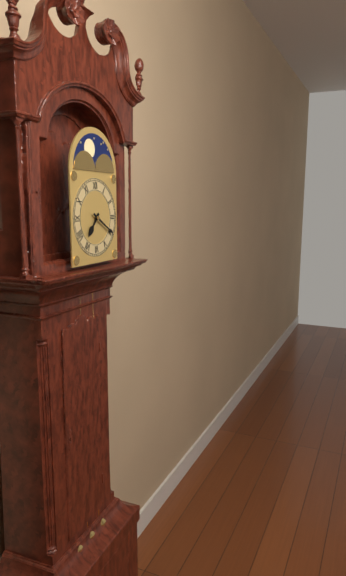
7:20
